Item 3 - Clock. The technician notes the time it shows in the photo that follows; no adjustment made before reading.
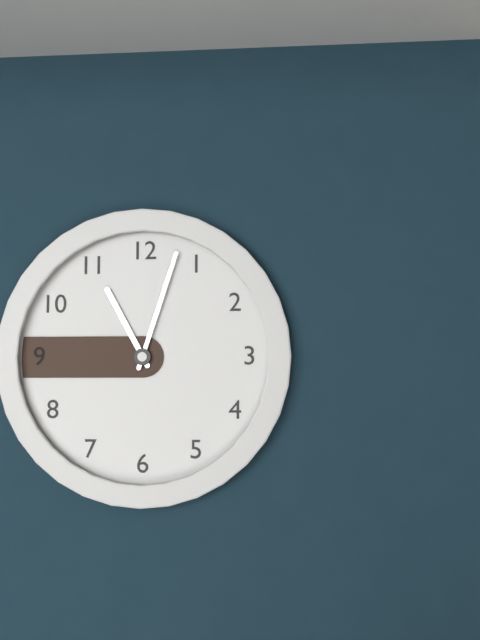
11:03
